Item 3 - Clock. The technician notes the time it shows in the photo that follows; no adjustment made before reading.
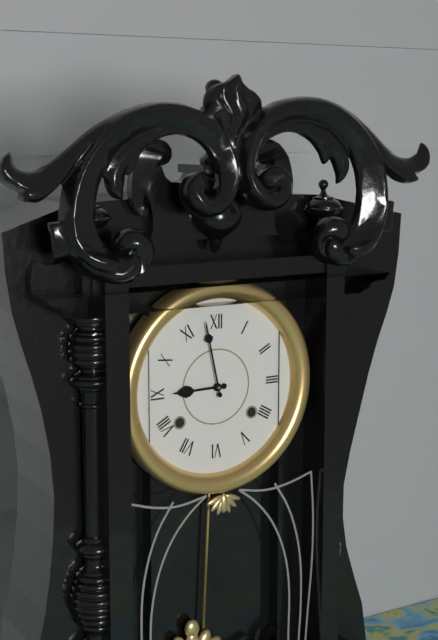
8:58
